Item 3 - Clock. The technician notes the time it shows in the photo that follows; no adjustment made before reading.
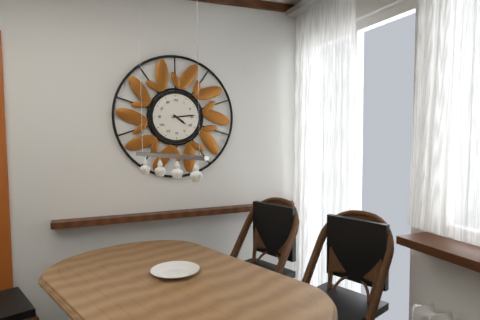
4:14
